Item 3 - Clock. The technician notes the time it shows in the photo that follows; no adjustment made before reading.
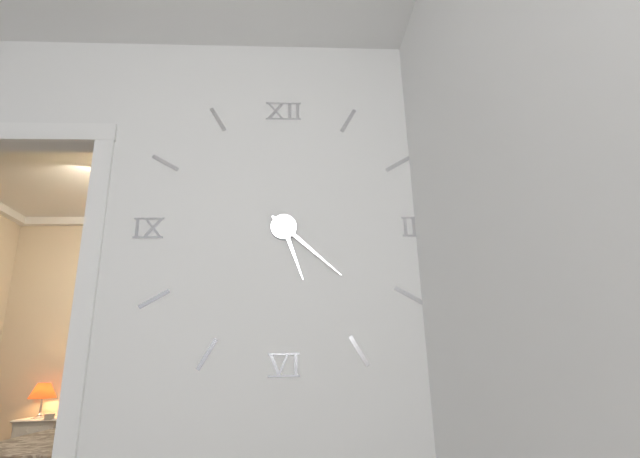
5:22
